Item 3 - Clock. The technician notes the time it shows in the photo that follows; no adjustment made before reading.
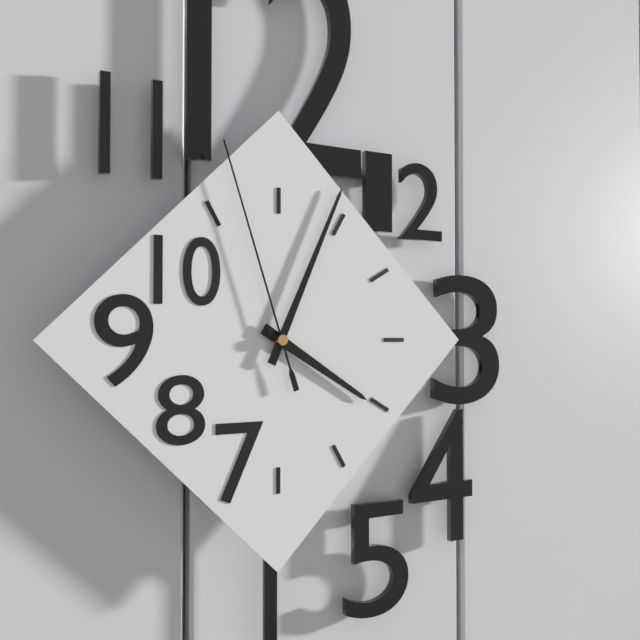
4:04:57
